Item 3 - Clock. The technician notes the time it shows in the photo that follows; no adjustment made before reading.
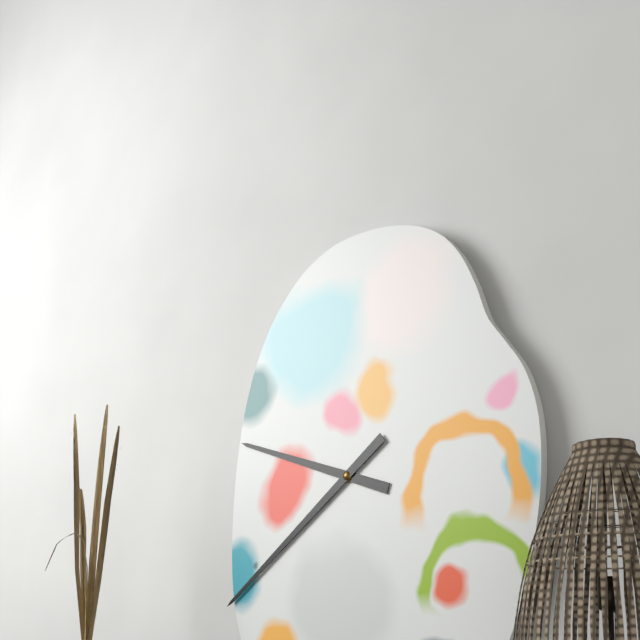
9:39
